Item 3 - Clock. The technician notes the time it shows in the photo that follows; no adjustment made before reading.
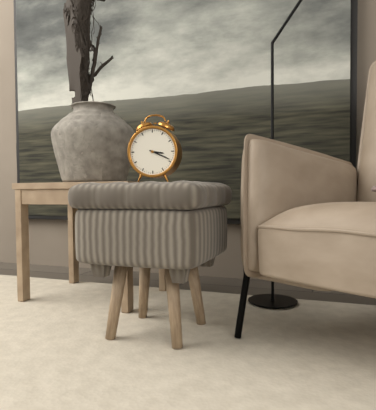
3:19
